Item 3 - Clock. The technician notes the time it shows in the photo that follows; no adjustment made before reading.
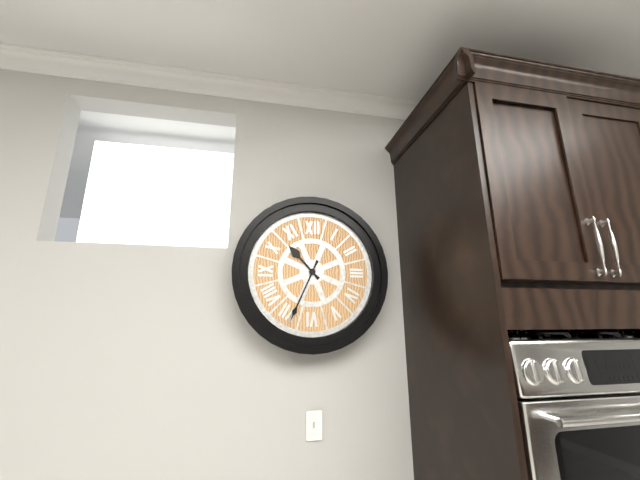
10:34
